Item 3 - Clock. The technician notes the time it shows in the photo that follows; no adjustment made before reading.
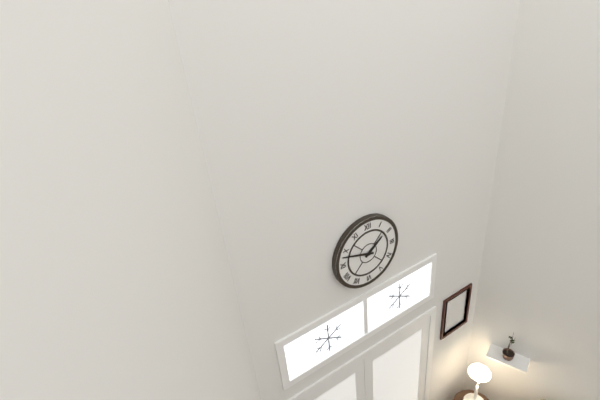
1:48
